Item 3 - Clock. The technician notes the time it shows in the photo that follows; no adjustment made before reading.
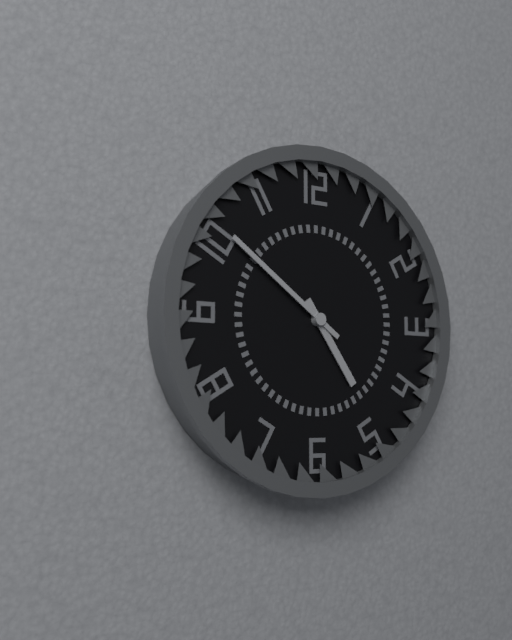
4:51
